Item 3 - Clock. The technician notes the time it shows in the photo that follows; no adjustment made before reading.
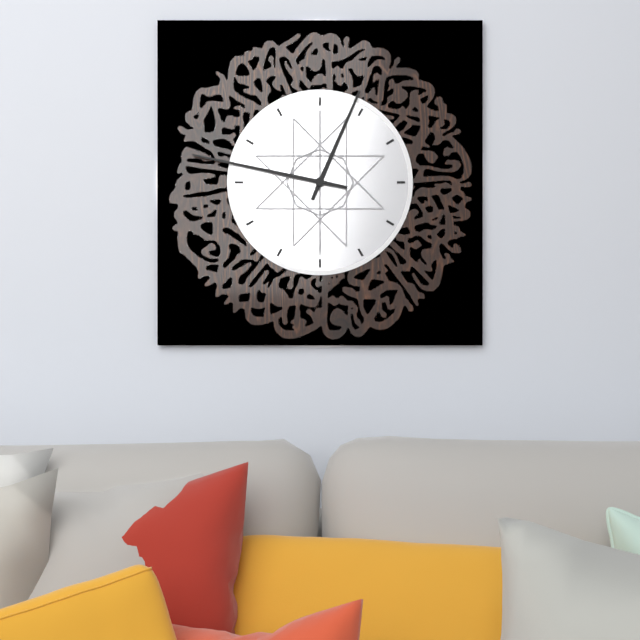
12:47
